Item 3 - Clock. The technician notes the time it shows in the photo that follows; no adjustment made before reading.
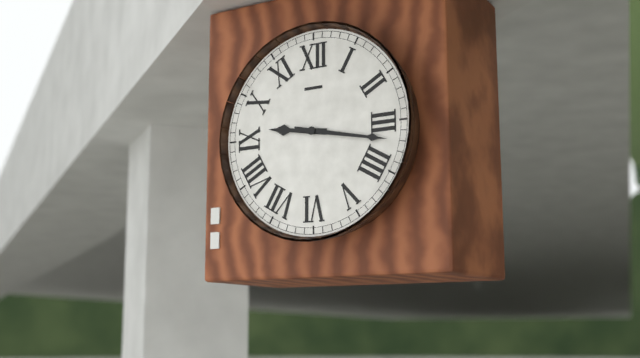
9:17
